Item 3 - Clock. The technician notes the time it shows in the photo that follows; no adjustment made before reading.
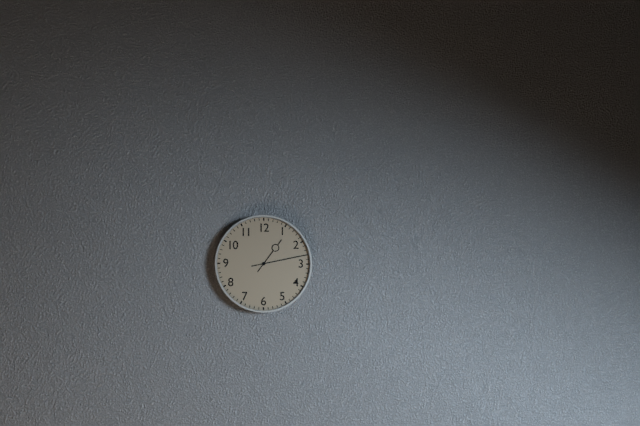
1:13
